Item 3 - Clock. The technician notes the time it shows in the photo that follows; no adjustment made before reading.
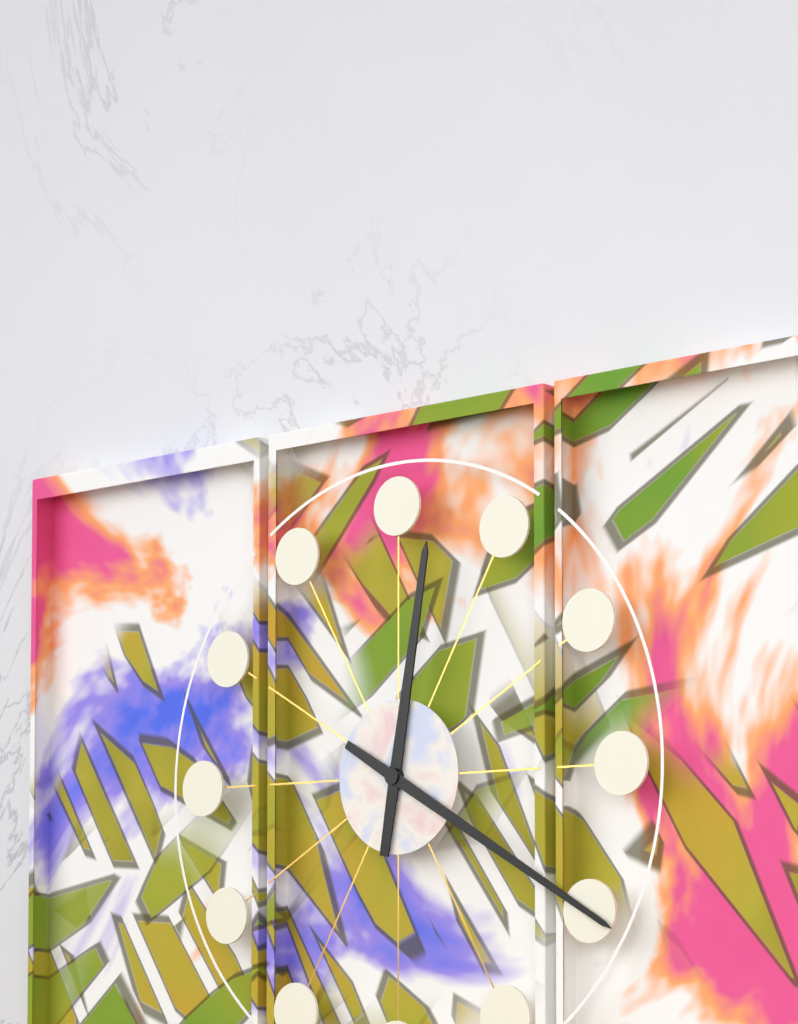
12:20
